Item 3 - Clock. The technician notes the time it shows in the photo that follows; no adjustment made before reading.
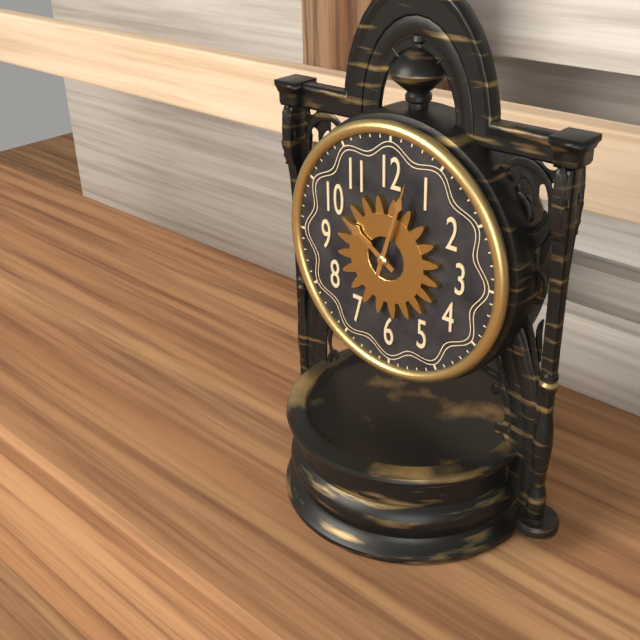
10:03
